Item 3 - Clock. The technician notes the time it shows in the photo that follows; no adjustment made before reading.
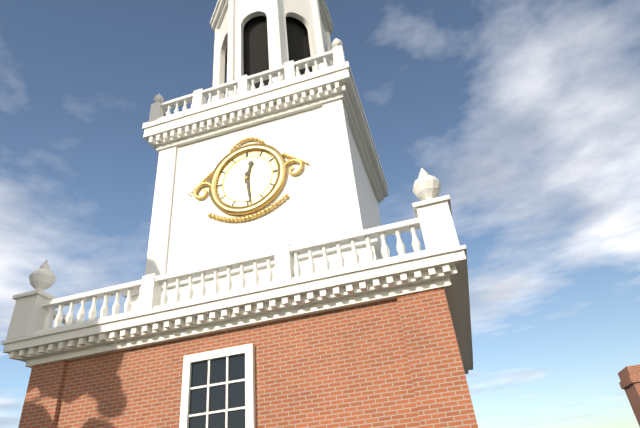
12:29
